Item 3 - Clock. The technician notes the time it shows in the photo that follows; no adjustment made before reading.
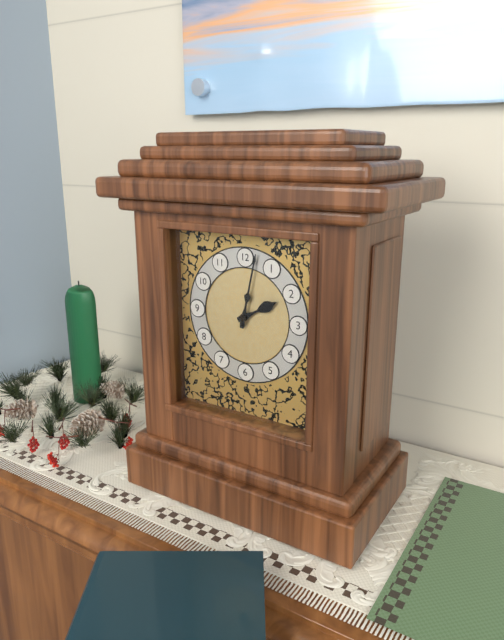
2:02
